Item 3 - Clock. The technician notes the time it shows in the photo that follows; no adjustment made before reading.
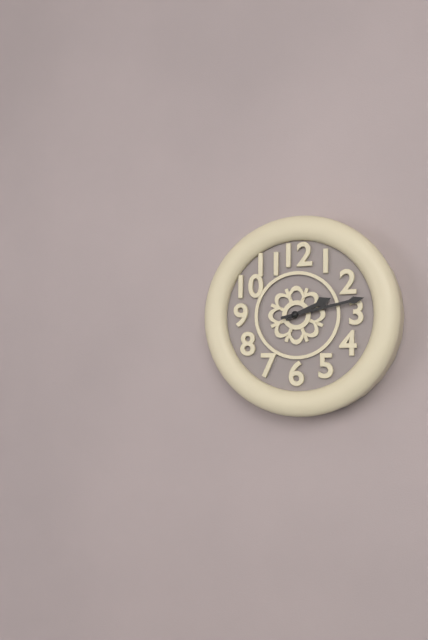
2:13
